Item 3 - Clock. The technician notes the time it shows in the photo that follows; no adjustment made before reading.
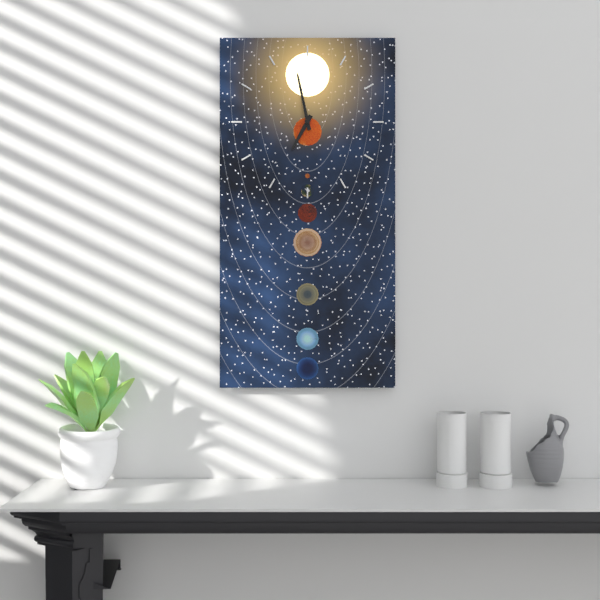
6:58
